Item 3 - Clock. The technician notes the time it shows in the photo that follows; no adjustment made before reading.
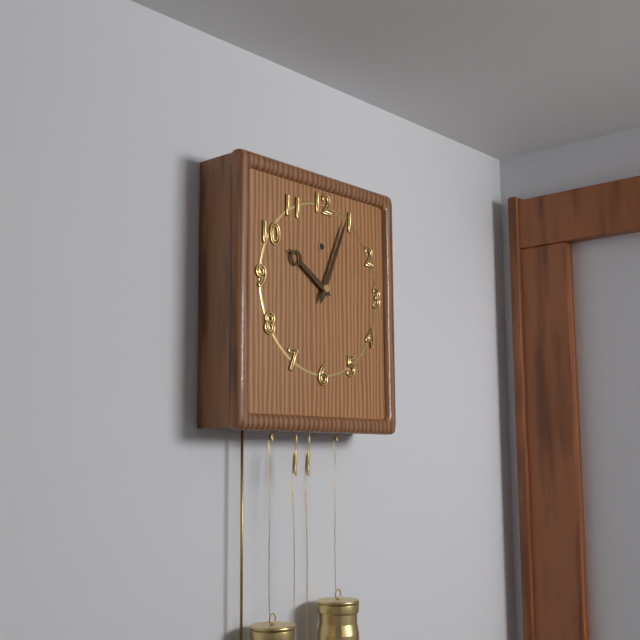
10:04
